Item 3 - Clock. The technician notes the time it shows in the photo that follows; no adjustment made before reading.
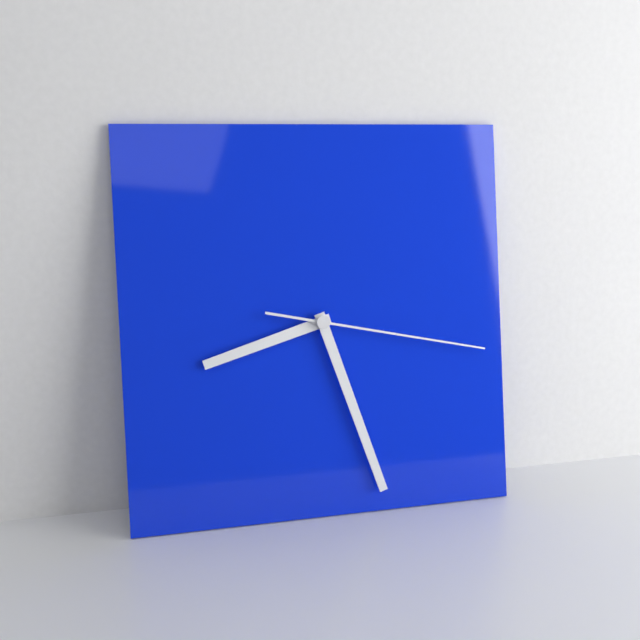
8:27:17
